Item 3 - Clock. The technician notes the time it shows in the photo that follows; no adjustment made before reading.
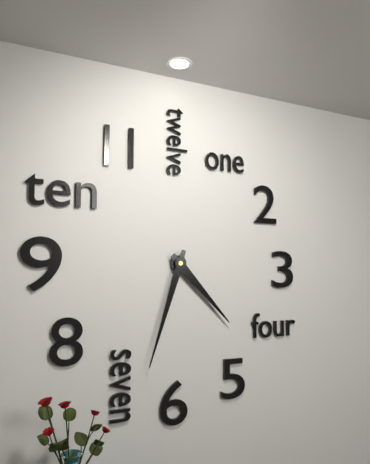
4:33
